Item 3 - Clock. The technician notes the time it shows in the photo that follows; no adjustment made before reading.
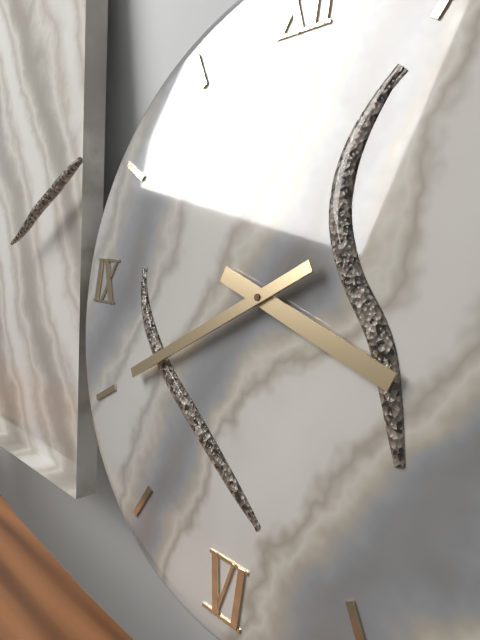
3:40
